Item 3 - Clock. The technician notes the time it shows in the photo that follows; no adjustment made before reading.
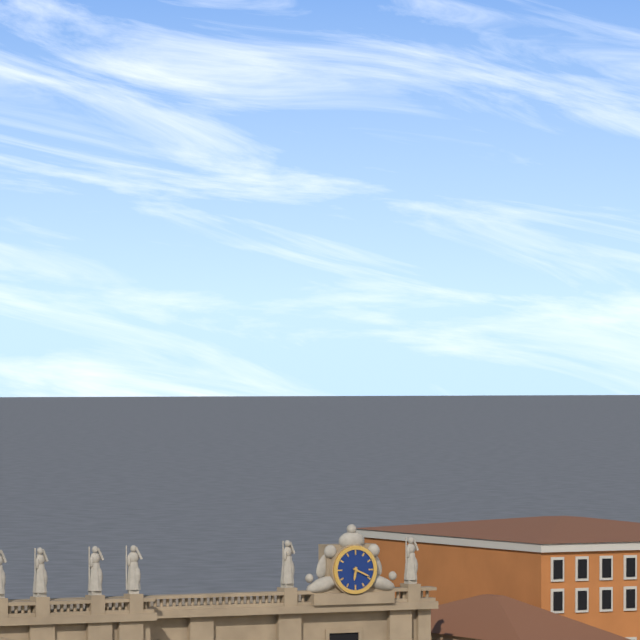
6:19
